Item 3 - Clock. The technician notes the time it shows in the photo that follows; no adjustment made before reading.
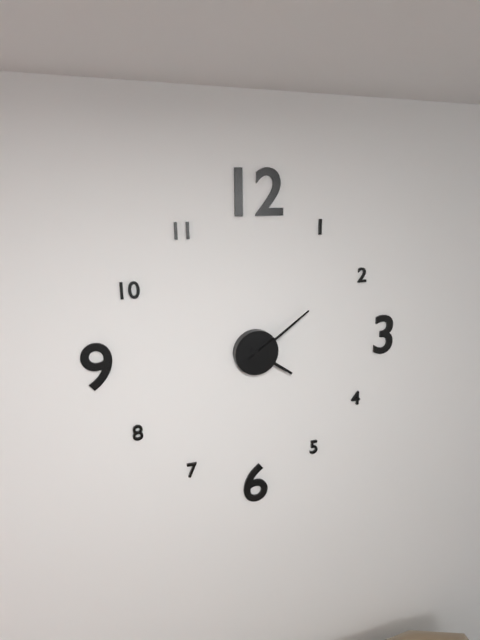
4:09
